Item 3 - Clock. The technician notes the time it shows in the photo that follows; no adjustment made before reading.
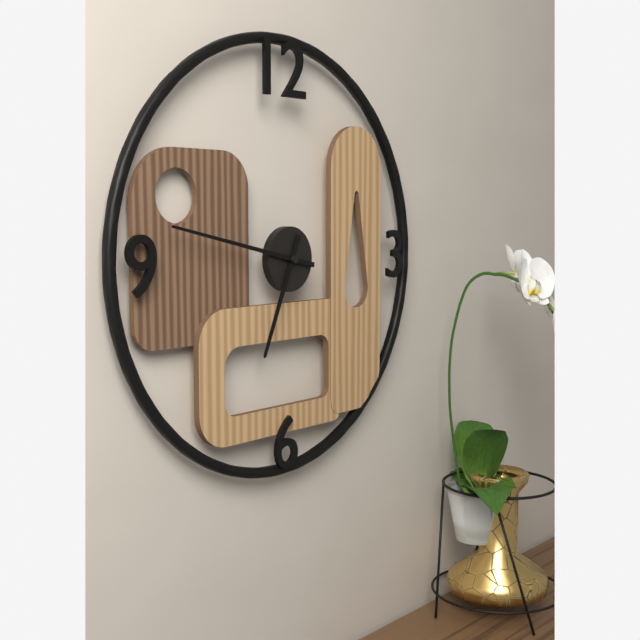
6:47
